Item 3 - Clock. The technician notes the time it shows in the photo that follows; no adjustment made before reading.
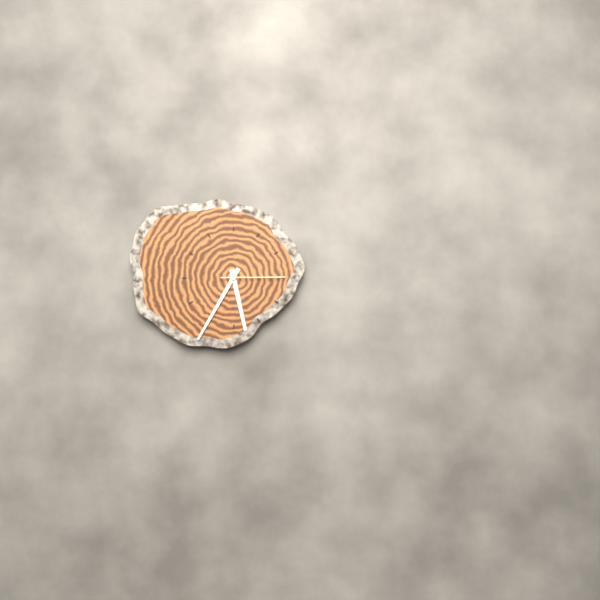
5:35:15
